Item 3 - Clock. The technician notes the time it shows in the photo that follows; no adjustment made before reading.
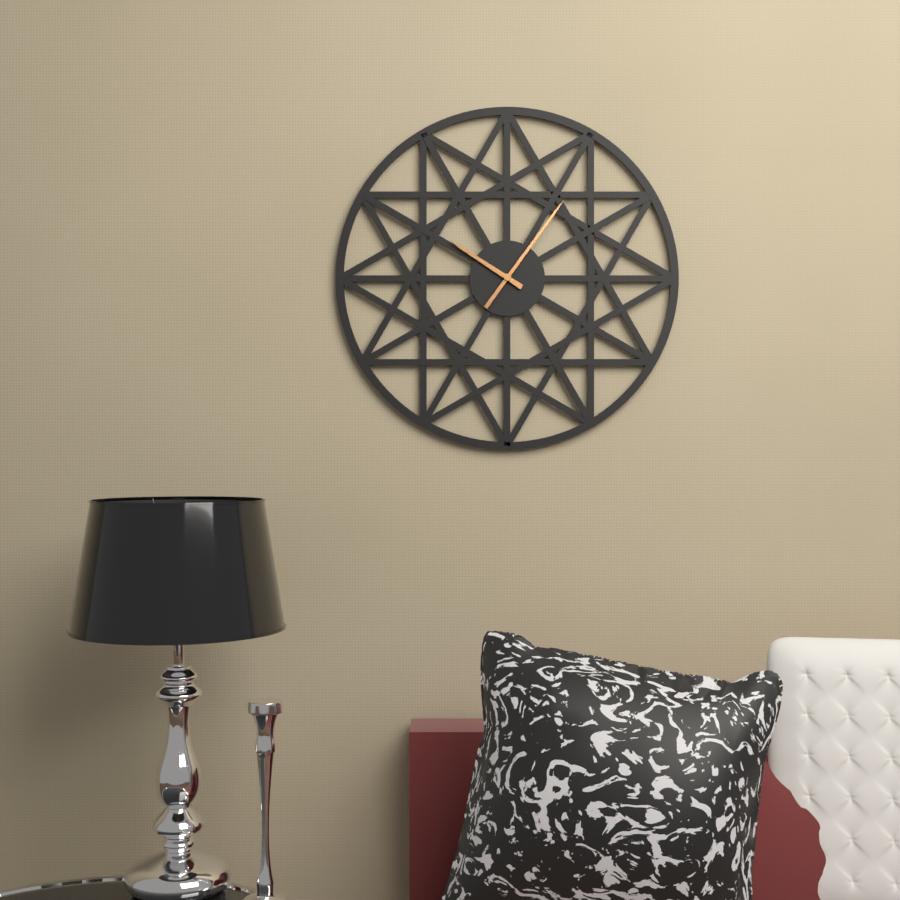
10:06
